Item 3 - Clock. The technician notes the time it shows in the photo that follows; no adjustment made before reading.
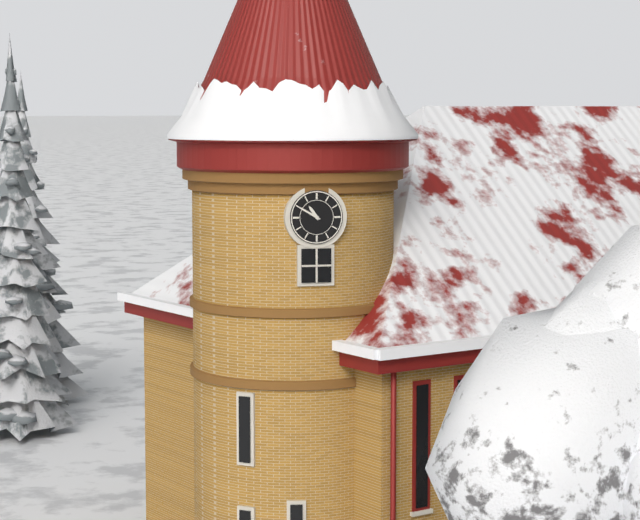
10:50
